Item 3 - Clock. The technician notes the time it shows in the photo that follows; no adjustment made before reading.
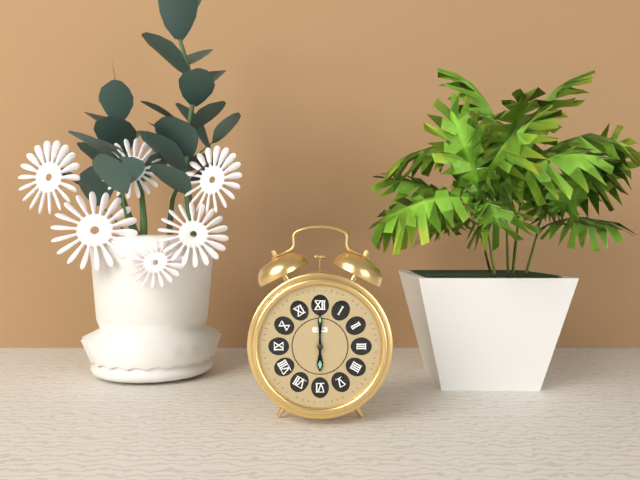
6:00
